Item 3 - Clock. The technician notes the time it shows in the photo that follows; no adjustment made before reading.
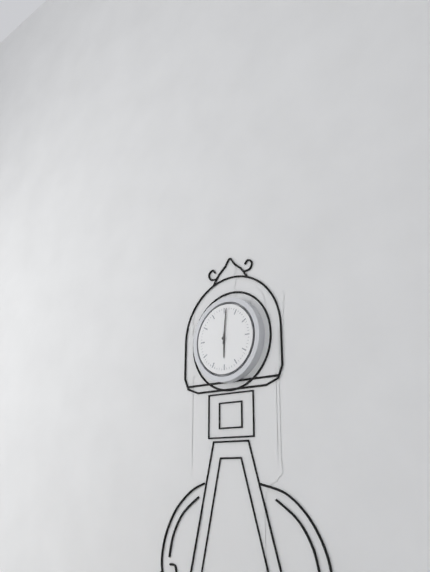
6:01
